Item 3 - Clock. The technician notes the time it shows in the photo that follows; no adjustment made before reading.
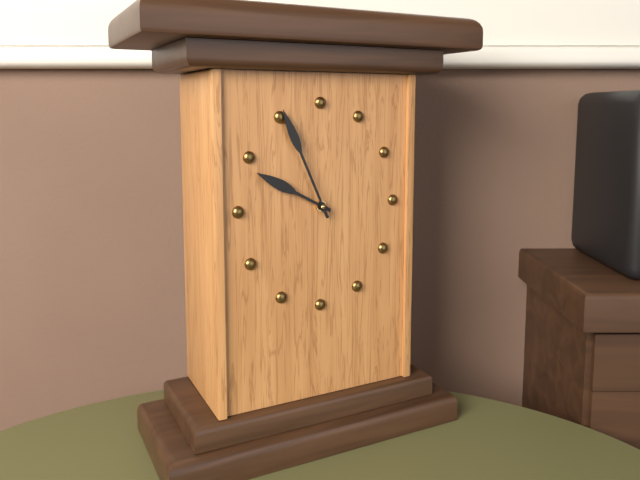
9:56
